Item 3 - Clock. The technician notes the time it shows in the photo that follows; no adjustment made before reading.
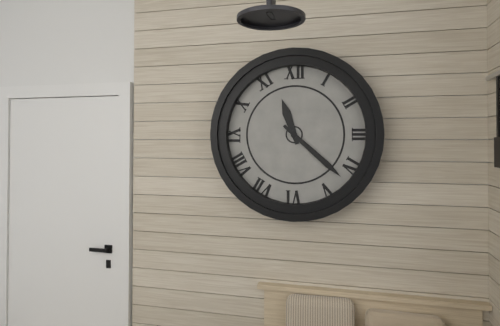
11:22
